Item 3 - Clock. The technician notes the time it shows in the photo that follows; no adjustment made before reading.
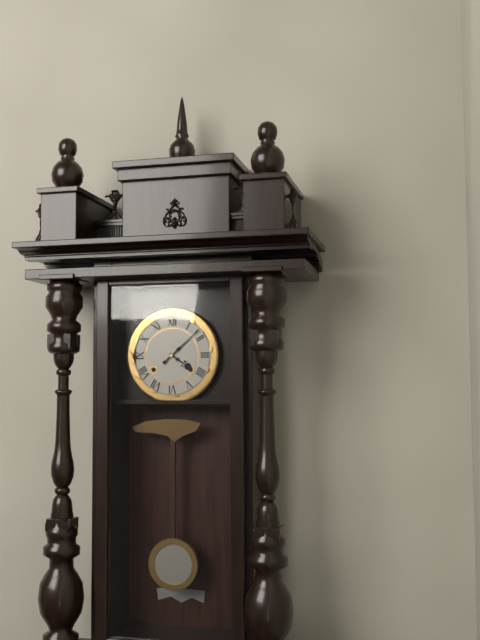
4:08
